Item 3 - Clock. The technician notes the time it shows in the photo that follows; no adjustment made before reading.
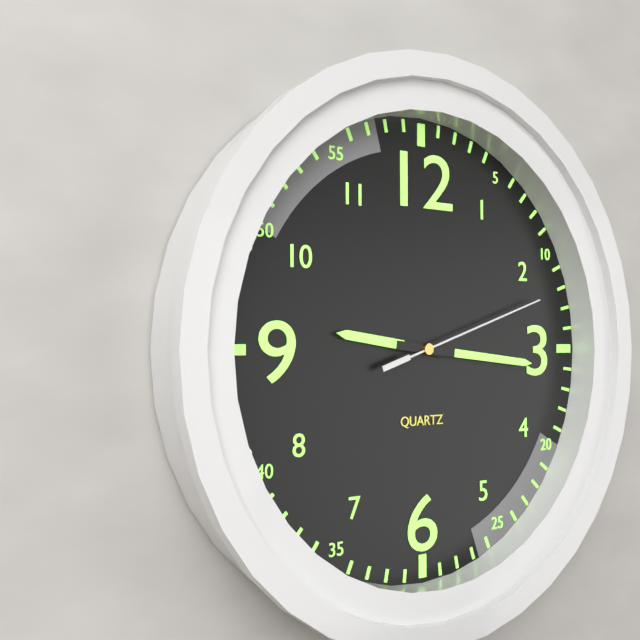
9:16:12
